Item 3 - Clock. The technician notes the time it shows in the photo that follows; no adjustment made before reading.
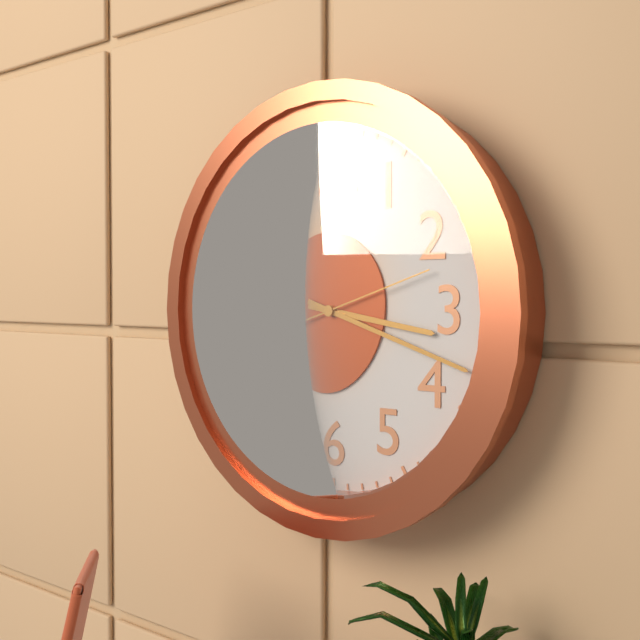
3:18:12
